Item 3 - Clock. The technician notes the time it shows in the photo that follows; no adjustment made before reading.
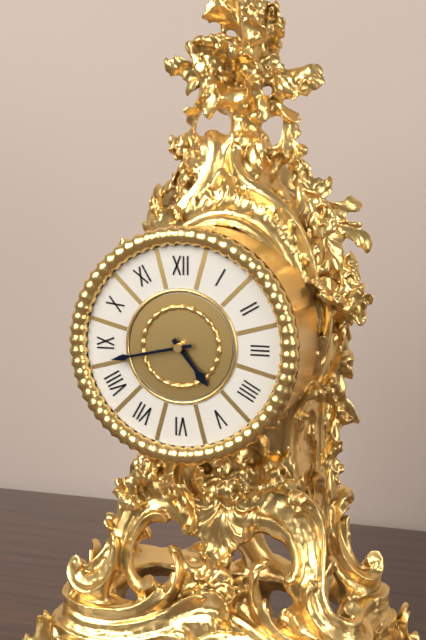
4:43
